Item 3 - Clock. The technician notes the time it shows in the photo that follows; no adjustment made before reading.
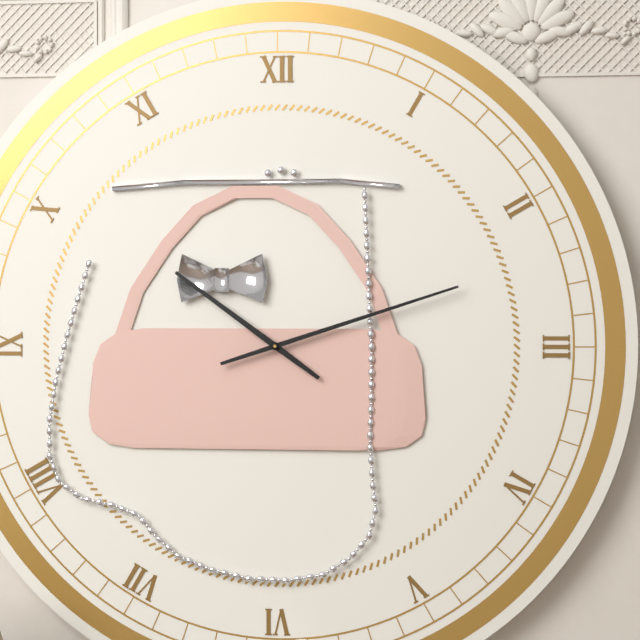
10:12
